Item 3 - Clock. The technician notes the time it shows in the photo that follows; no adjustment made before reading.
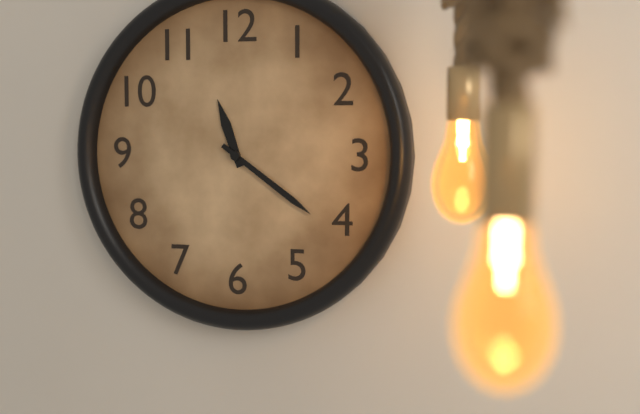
11:21
